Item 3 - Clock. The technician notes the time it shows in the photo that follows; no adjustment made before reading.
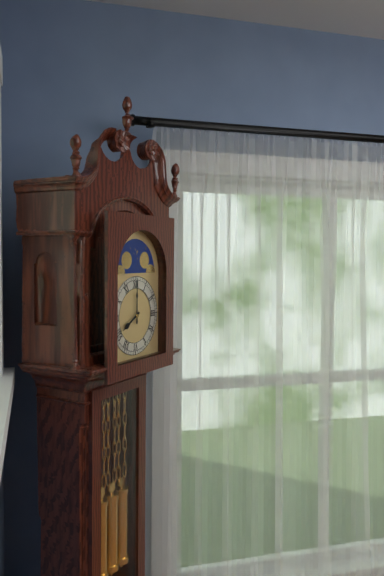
8:00
